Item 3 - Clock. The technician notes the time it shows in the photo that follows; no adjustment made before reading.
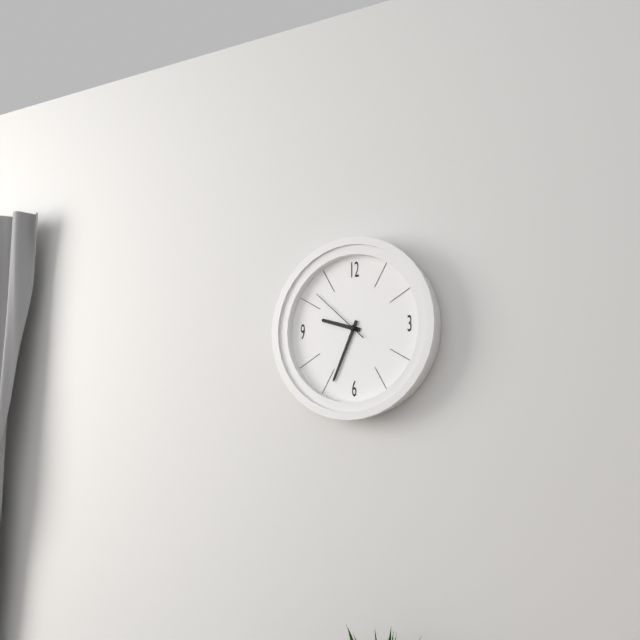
9:34:52
